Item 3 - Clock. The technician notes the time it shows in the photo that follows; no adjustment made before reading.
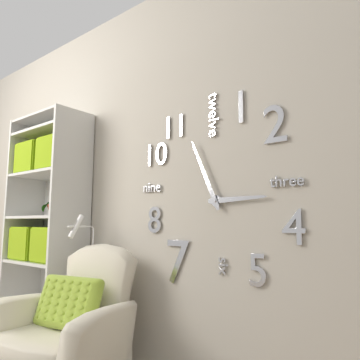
2:56
